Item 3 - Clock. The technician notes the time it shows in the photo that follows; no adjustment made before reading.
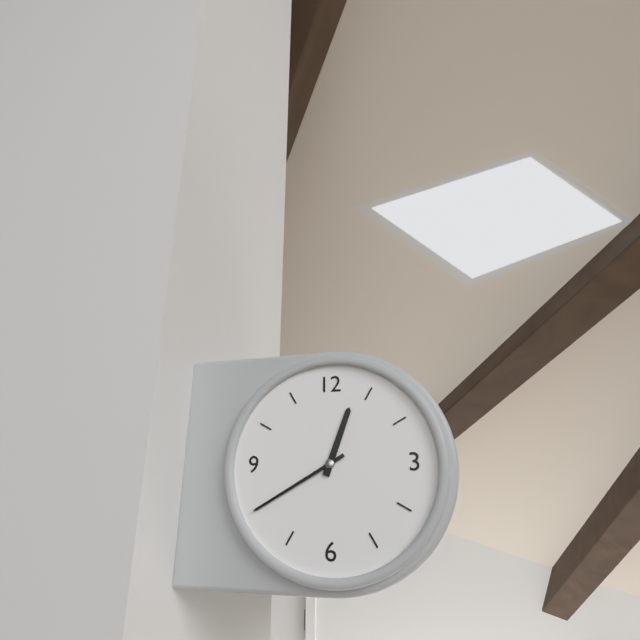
12:40
